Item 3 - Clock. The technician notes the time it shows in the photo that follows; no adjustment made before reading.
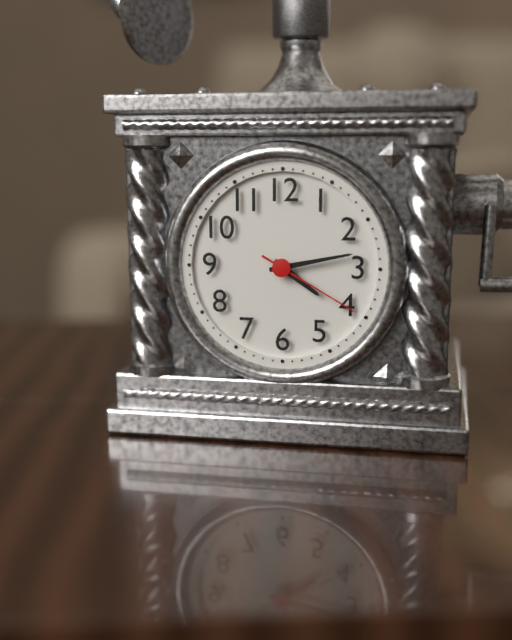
4:13:20
